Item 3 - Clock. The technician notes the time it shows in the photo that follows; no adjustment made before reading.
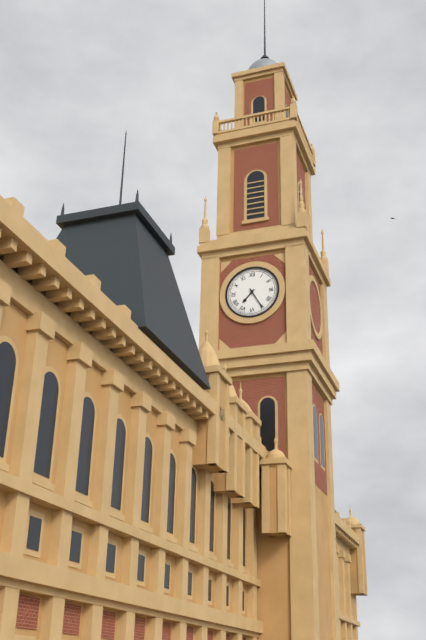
7:25
